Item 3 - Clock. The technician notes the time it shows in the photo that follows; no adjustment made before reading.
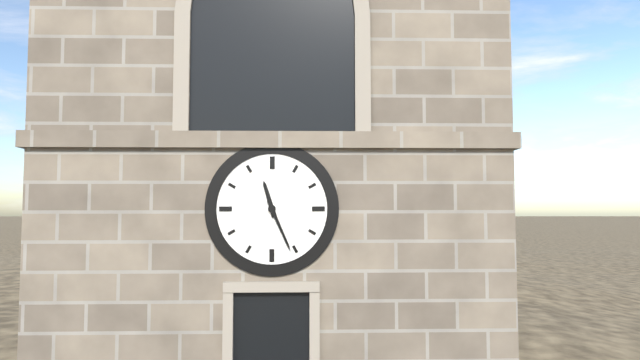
11:26
